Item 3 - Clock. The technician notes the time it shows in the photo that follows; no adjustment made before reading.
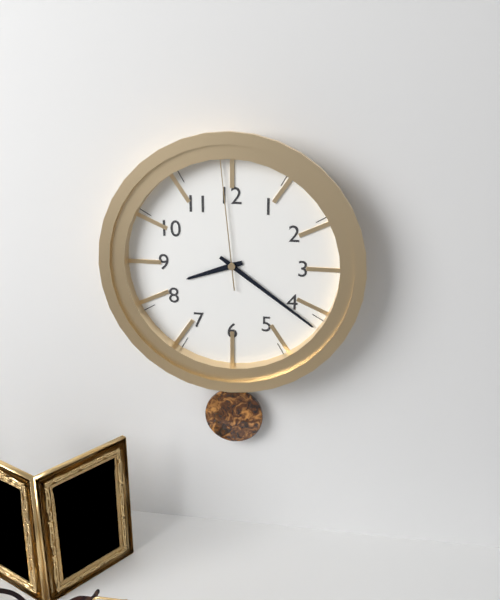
8:21:59
